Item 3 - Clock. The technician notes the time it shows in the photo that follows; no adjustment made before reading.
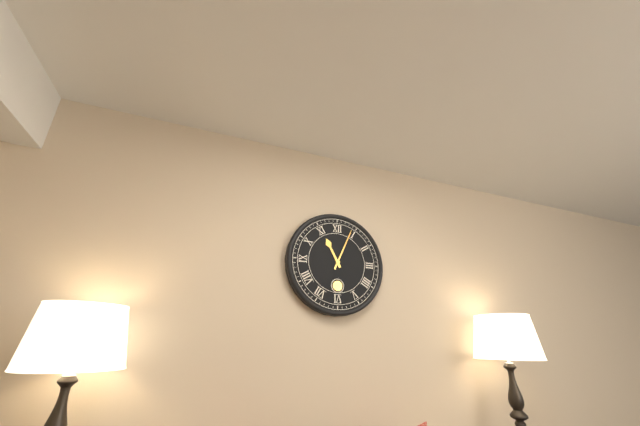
11:04
